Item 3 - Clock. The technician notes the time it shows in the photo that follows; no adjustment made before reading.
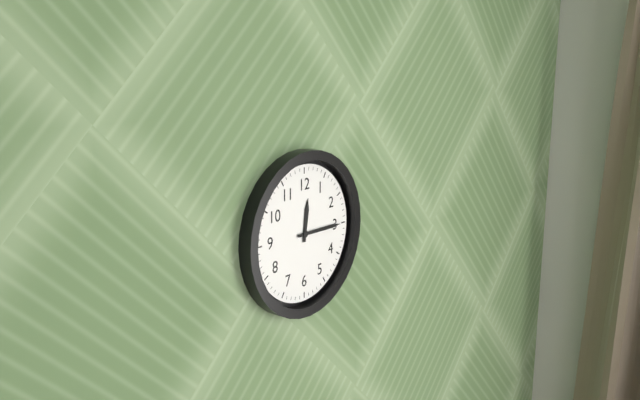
12:15
